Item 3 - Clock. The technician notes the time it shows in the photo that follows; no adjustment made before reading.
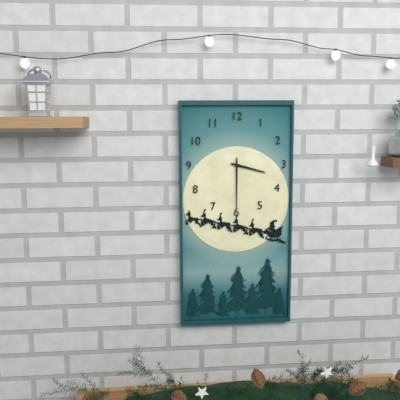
3:30
